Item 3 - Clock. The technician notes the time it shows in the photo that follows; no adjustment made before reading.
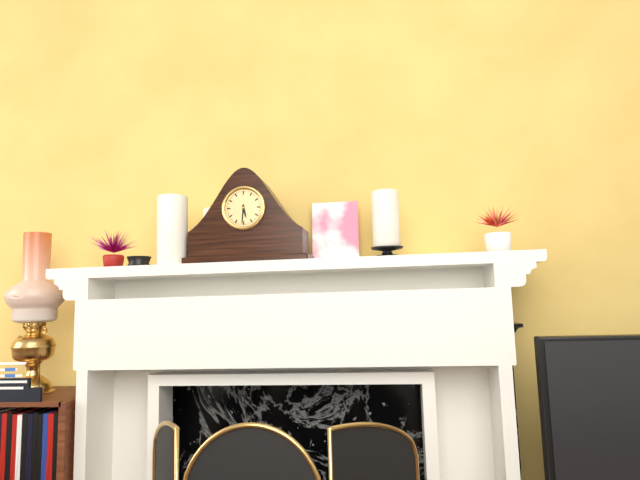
5:31
